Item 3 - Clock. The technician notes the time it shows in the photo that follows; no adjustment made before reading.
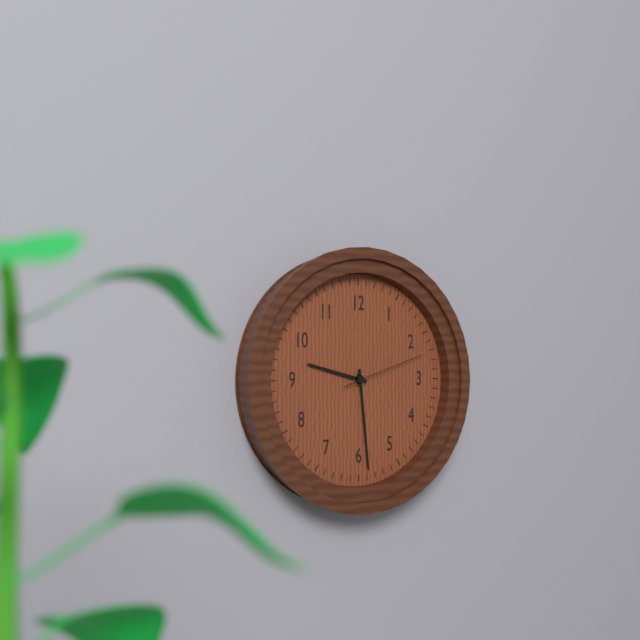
9:29:12
